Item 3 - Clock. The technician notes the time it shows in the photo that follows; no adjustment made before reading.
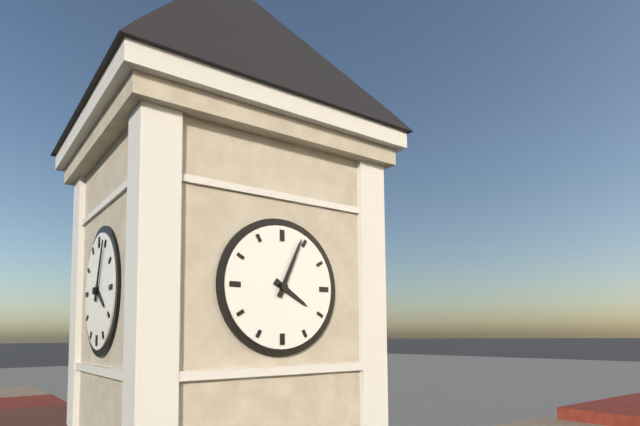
4:04
